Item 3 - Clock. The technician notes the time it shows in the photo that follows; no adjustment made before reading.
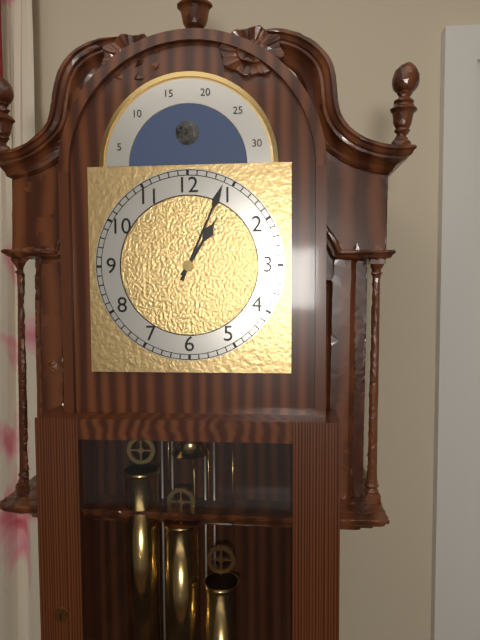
1:04
